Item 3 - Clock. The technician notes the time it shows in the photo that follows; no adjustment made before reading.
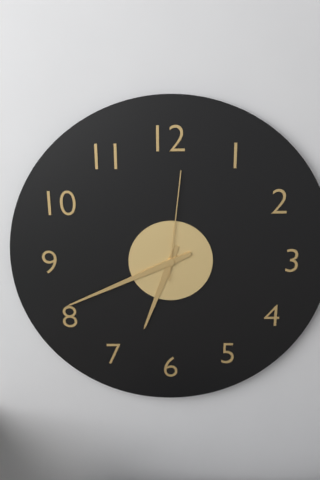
6:41:01
